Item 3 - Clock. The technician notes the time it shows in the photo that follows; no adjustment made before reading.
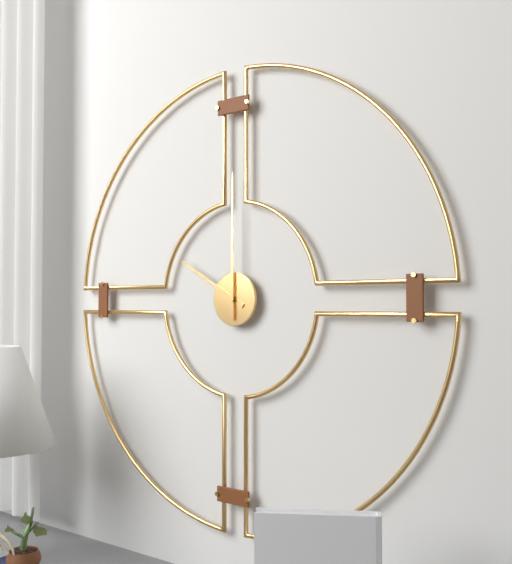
10:00
